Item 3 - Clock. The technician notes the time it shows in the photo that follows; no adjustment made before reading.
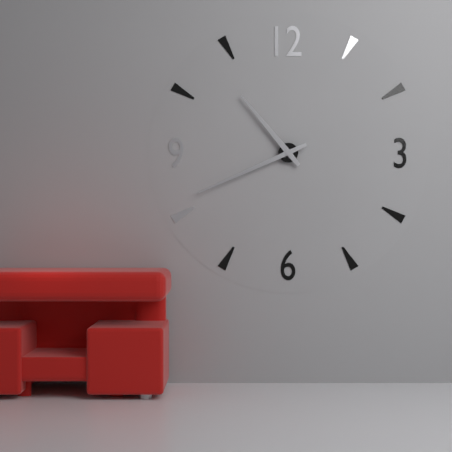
10:41
